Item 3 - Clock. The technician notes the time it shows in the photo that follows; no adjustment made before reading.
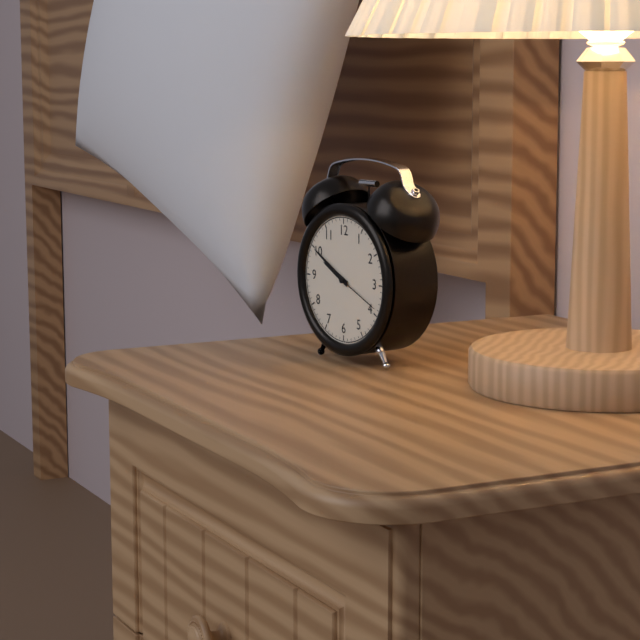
9:50:19
